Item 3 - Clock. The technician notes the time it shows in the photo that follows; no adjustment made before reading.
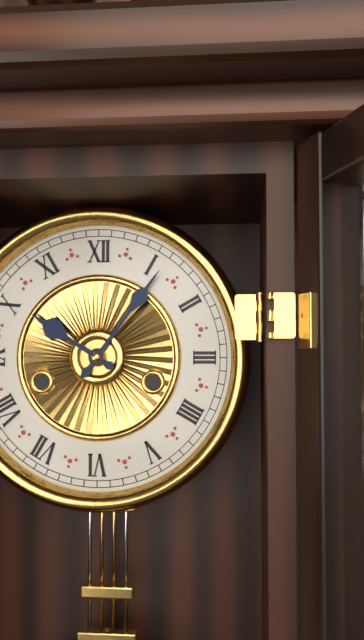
10:06
